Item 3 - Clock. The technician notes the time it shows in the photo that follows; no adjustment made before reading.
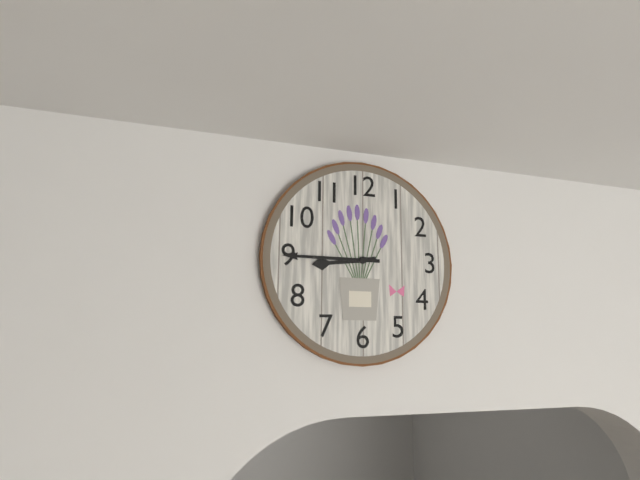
8:45
